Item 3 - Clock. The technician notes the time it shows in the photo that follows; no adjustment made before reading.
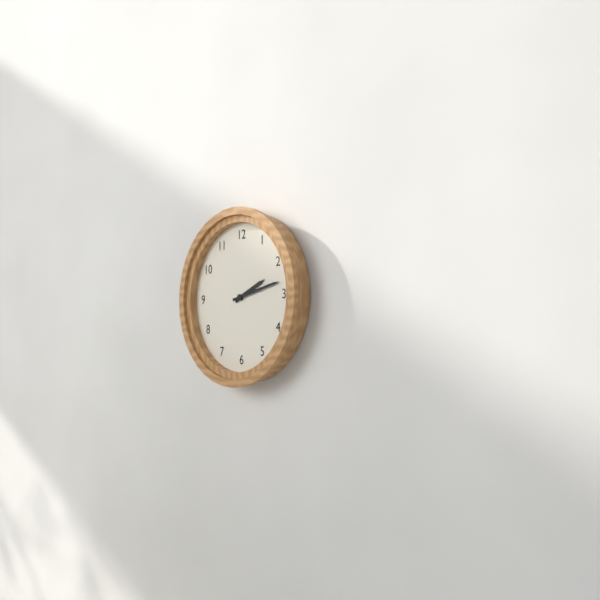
2:13
